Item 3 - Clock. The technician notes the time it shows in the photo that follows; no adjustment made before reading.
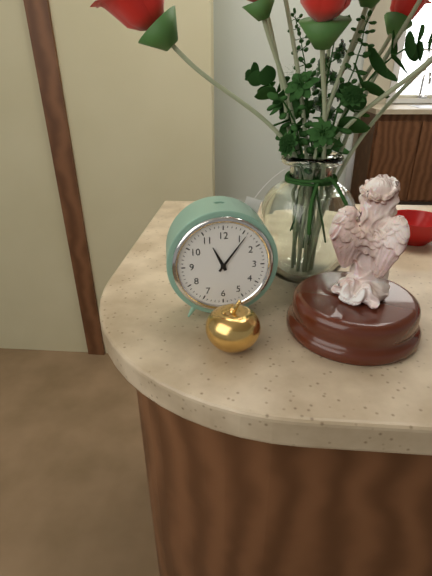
11:06
